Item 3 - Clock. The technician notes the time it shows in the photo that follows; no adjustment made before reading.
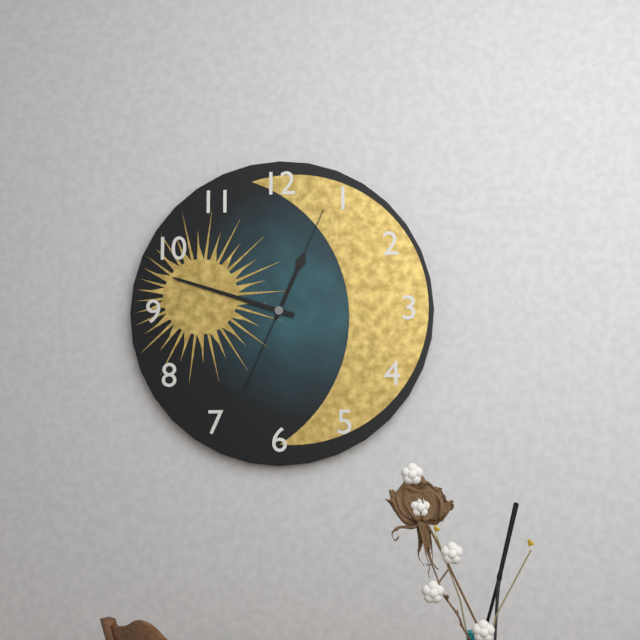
12:48:04
